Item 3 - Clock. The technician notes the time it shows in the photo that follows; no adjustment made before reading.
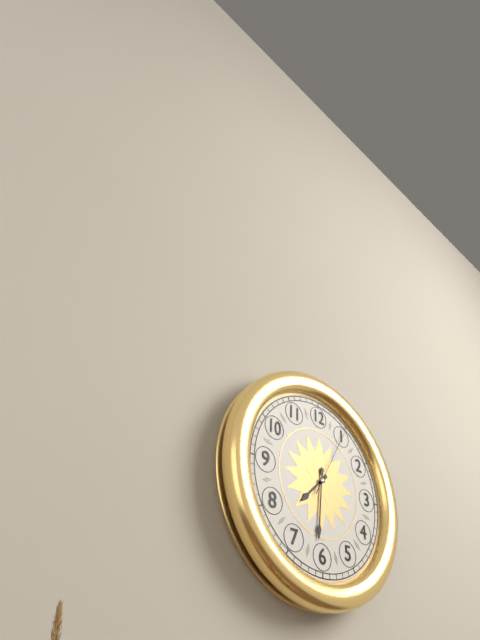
7:31:05
